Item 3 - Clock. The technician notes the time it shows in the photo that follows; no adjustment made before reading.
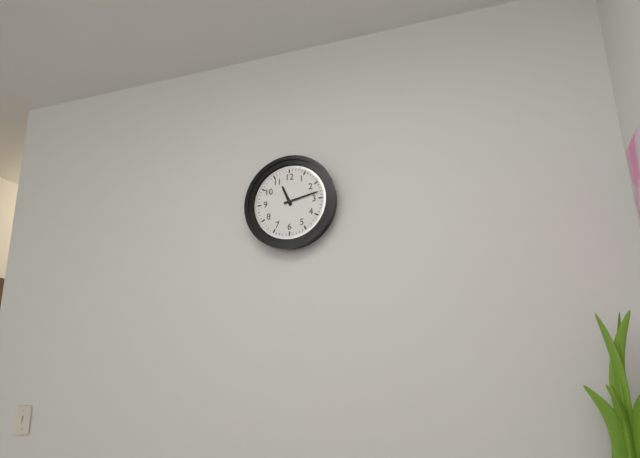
11:13
